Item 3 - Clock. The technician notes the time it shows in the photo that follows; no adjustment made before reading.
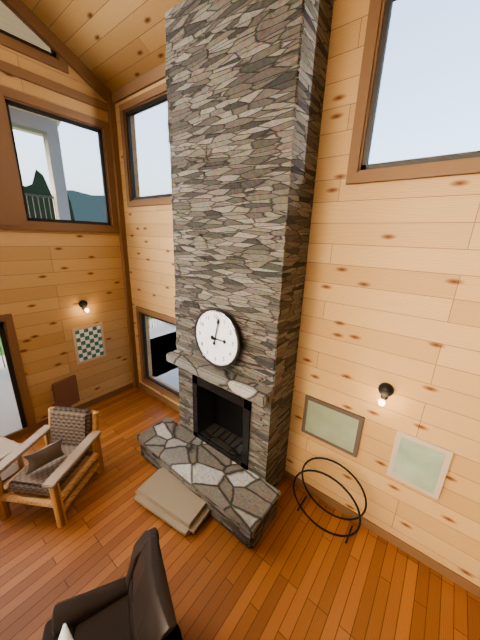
3:02
